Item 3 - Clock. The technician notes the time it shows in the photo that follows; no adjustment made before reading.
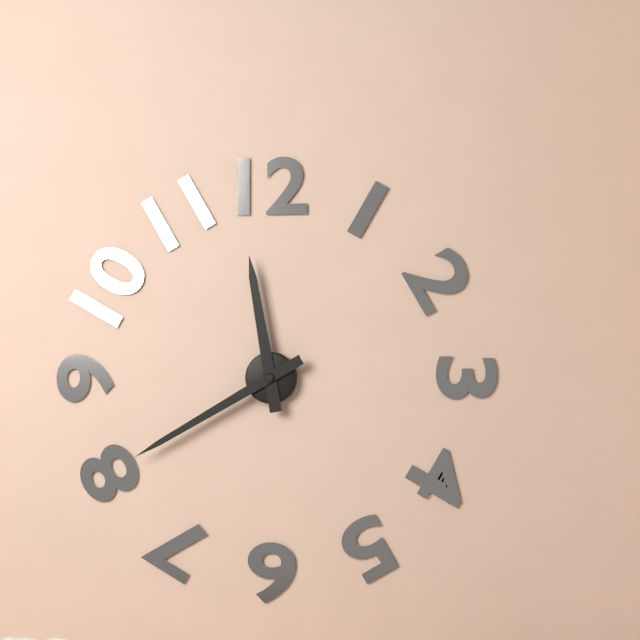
11:40
